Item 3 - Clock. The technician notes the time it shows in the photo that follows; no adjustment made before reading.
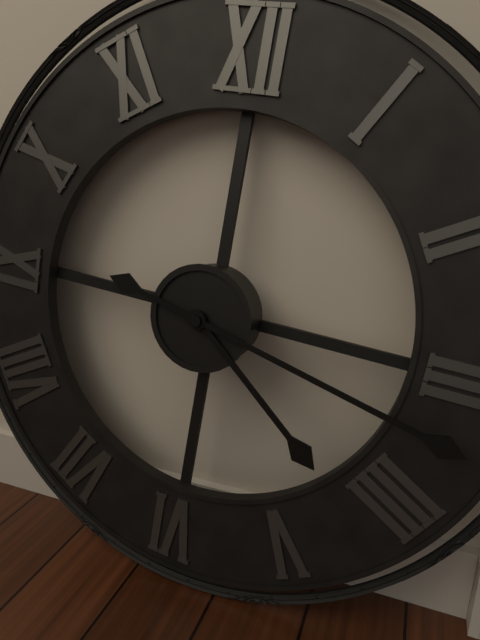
4:17
